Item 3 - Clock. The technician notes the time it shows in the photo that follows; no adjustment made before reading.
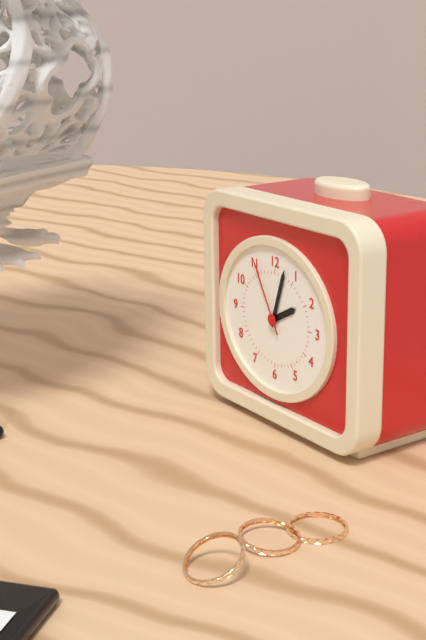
2:03:55
